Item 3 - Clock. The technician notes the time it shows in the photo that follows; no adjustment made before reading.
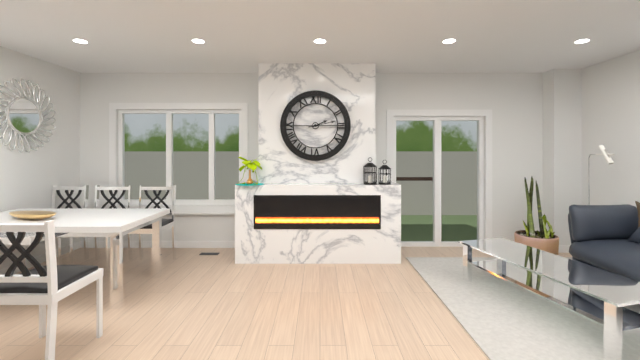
2:13
